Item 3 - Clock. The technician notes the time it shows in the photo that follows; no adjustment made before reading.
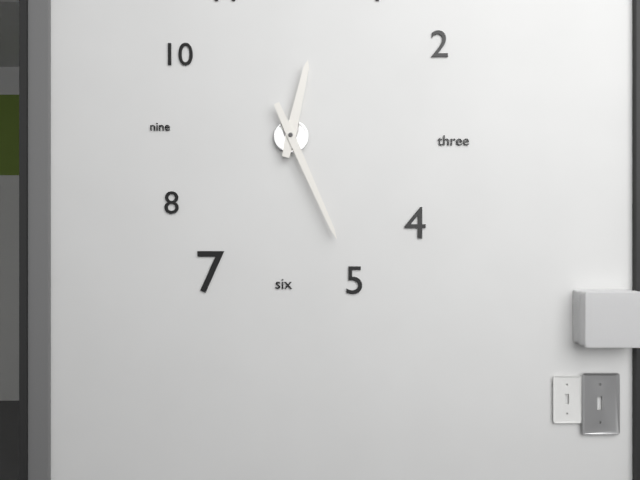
12:26
